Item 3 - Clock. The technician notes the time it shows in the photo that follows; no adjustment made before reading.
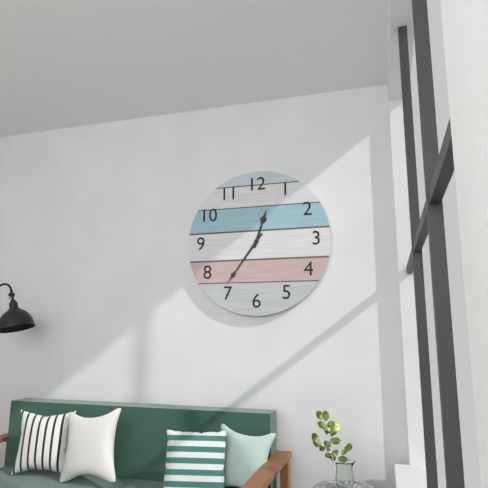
12:36
